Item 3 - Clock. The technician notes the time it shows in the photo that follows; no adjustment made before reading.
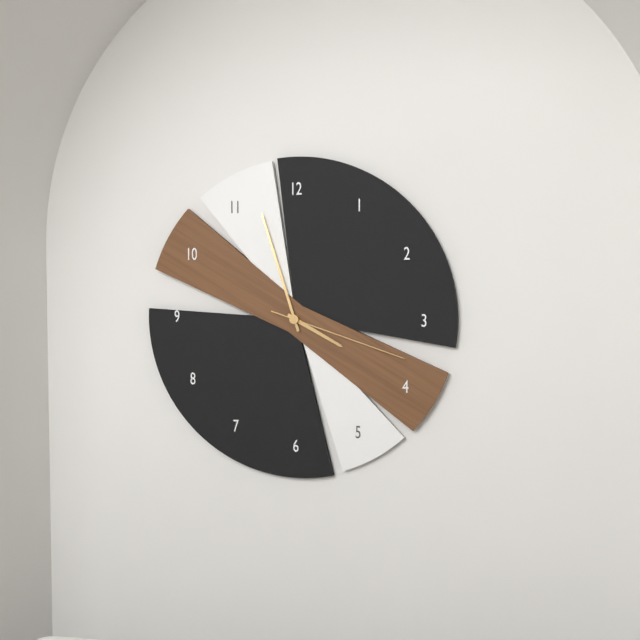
3:57:18
